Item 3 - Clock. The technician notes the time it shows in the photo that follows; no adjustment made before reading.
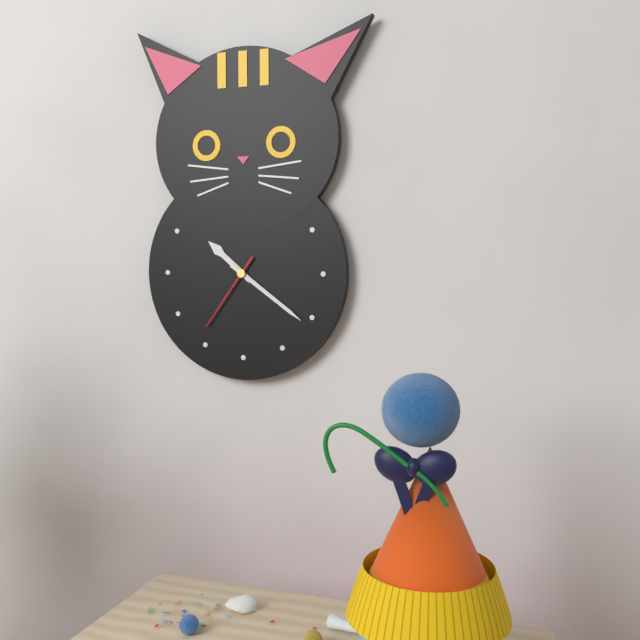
10:21:36
